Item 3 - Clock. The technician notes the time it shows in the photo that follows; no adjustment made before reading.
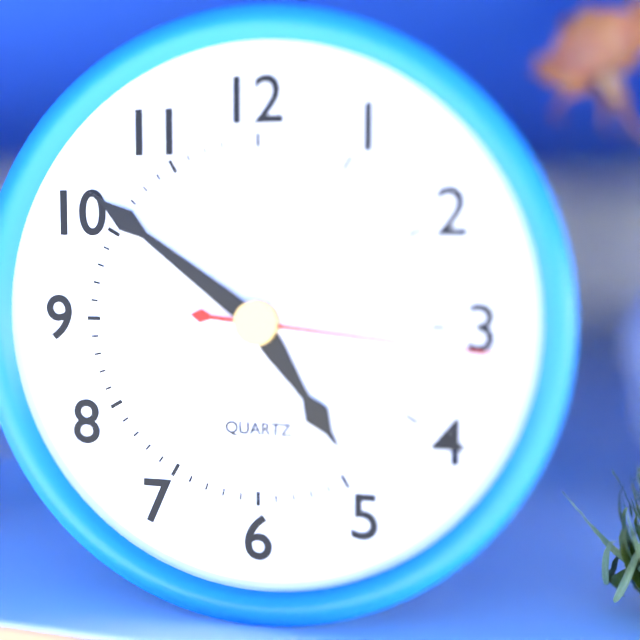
4:51:16
